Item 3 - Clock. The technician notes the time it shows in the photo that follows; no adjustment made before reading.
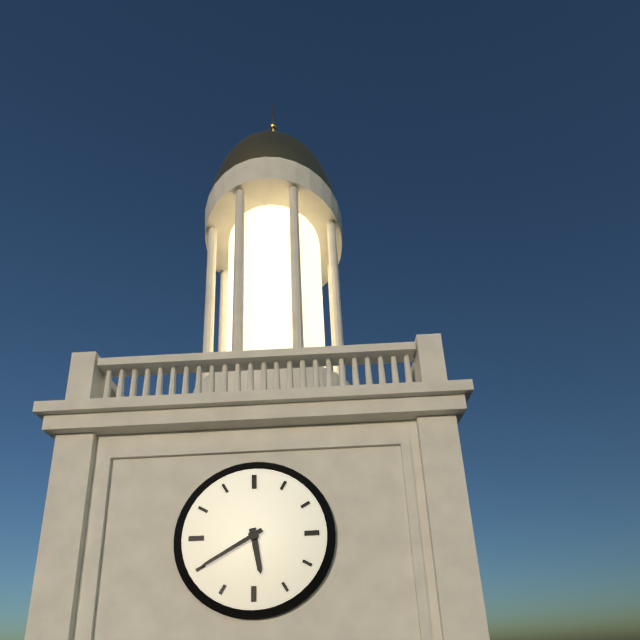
5:40
